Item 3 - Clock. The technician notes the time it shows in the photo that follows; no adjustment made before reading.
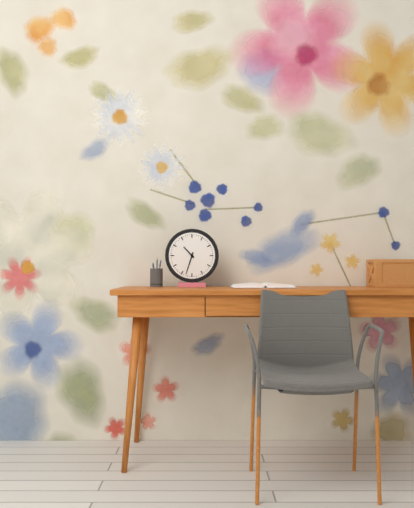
10:33
